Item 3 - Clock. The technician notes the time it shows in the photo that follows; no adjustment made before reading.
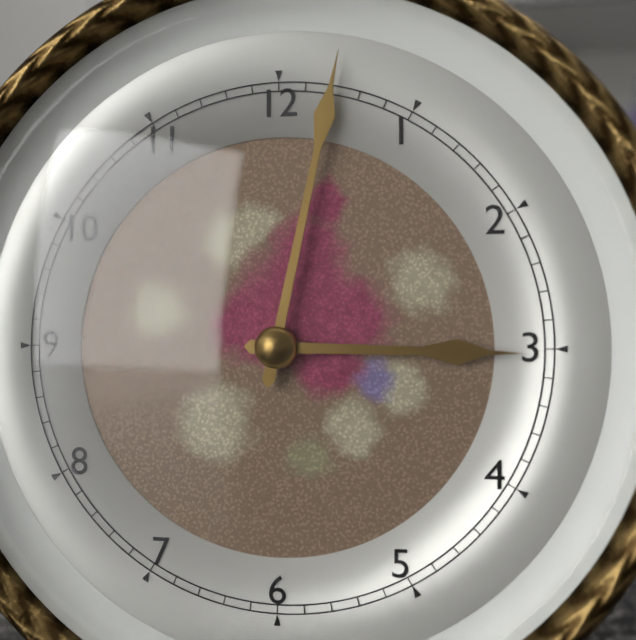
3:02
